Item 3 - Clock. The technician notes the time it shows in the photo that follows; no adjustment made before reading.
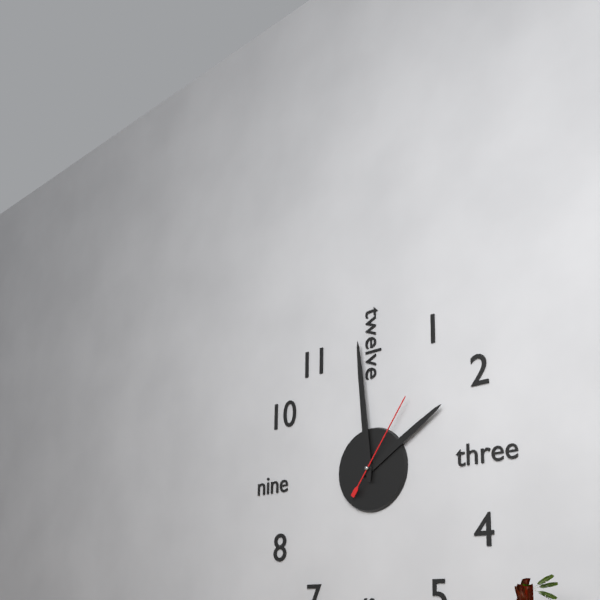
1:59:06
